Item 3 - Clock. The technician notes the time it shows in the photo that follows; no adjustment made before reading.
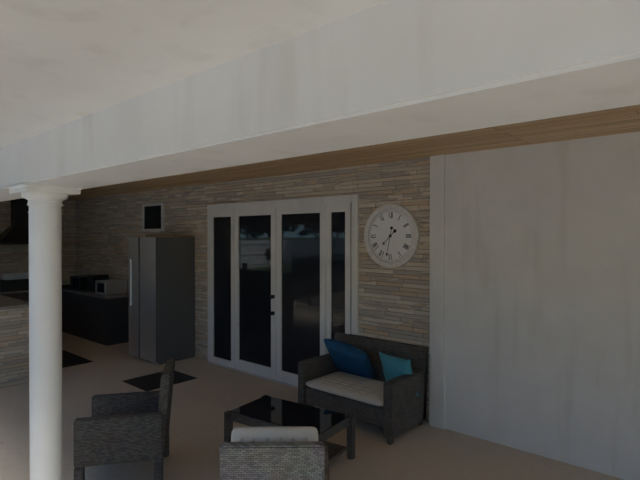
7:32
